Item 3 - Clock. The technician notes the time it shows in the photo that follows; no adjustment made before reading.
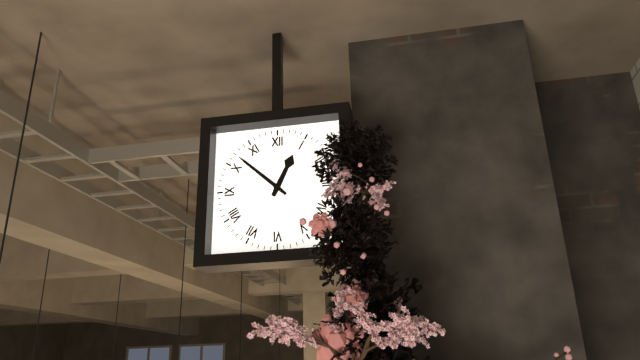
12:52
